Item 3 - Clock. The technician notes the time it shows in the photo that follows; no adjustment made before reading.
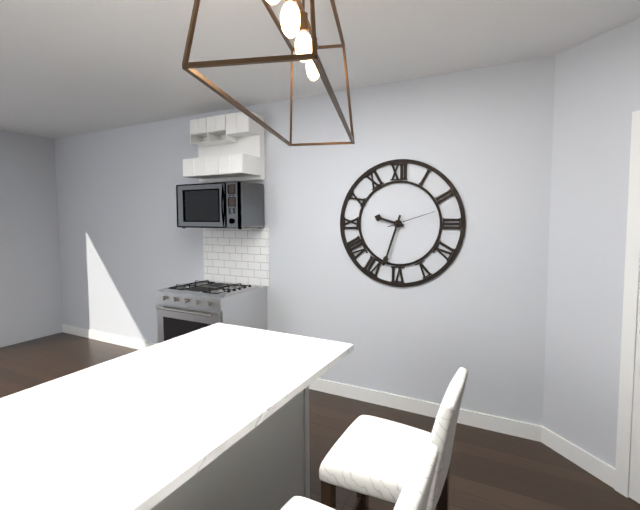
9:33
